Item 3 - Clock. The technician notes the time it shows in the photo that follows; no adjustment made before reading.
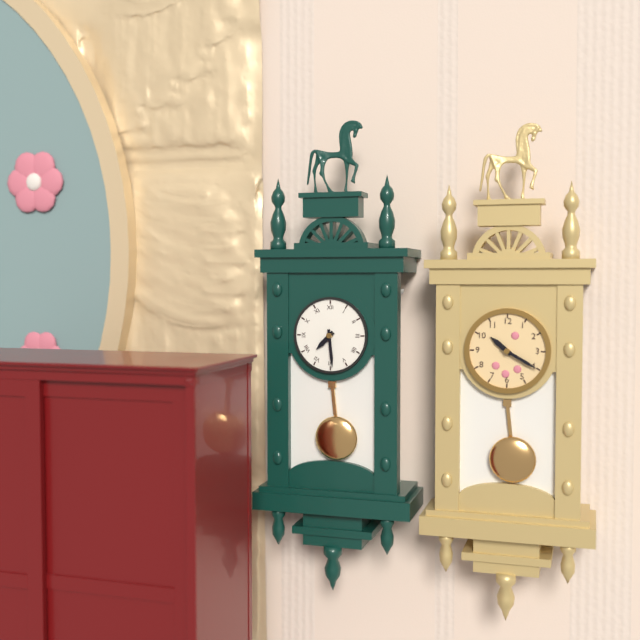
7:29
